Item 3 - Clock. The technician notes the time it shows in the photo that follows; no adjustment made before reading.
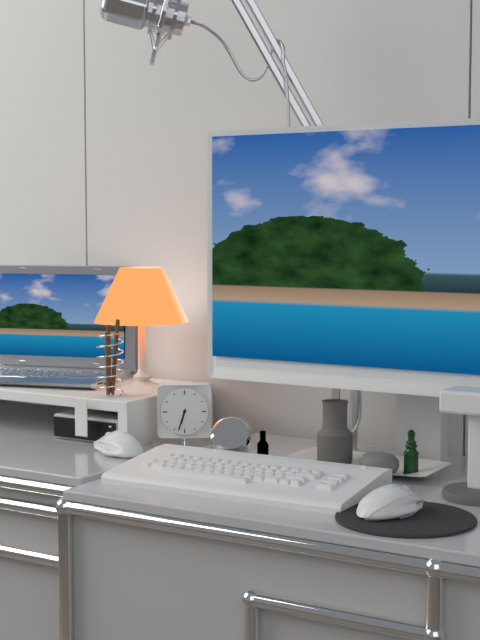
6:33
